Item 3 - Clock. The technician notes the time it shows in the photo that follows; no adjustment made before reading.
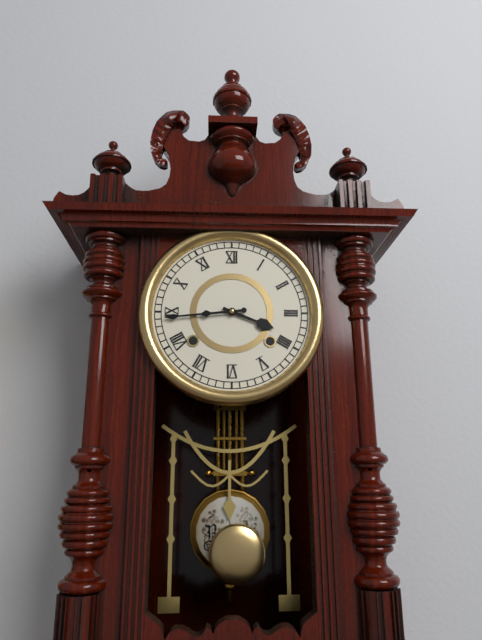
3:44
